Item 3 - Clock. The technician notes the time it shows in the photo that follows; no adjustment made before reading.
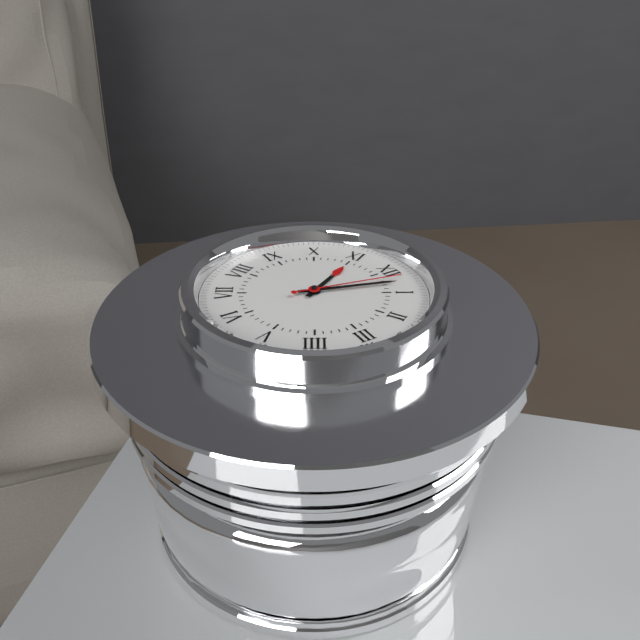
11:03:02
